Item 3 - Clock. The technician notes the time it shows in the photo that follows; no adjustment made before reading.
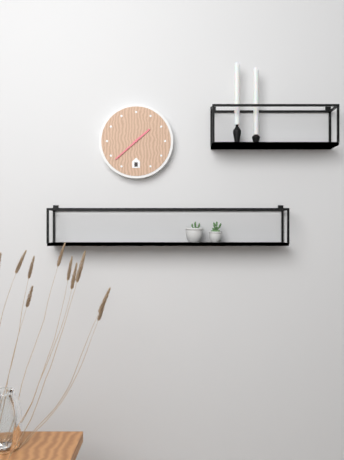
1:38
